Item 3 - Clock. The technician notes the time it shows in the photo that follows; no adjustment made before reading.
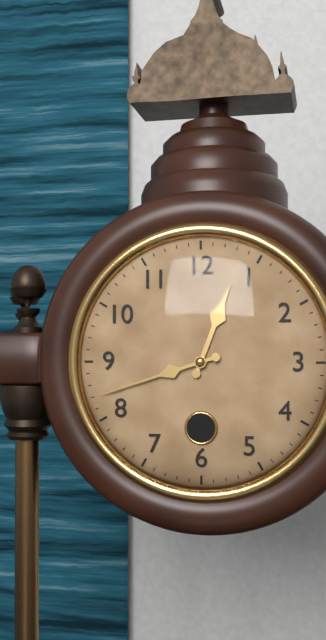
12:42
